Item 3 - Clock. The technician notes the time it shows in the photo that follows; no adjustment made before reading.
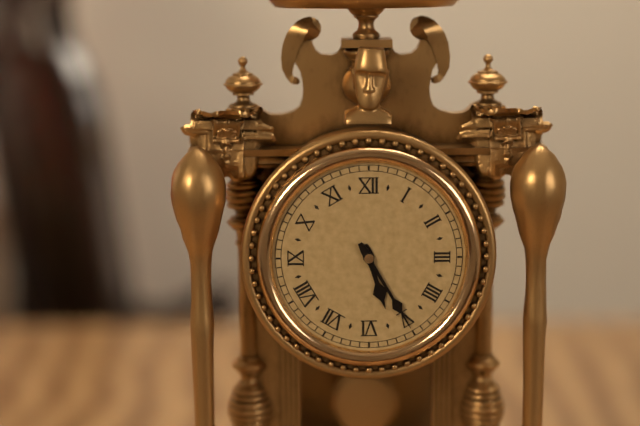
5:25
